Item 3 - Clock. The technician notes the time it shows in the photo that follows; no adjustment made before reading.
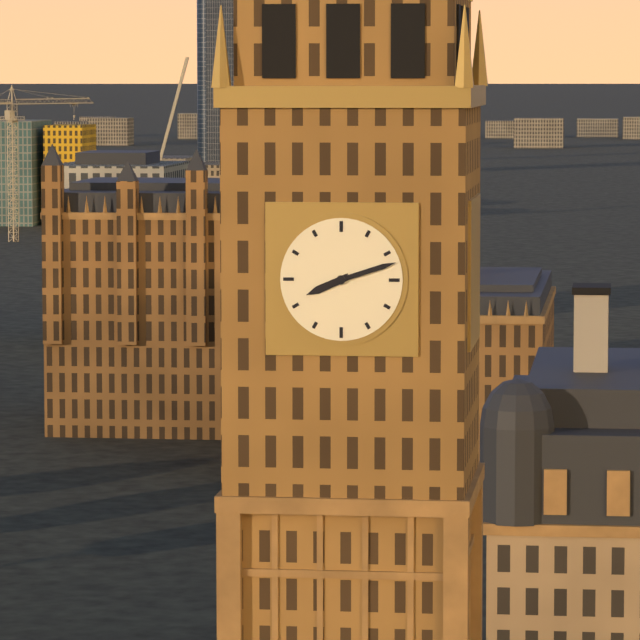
8:12
